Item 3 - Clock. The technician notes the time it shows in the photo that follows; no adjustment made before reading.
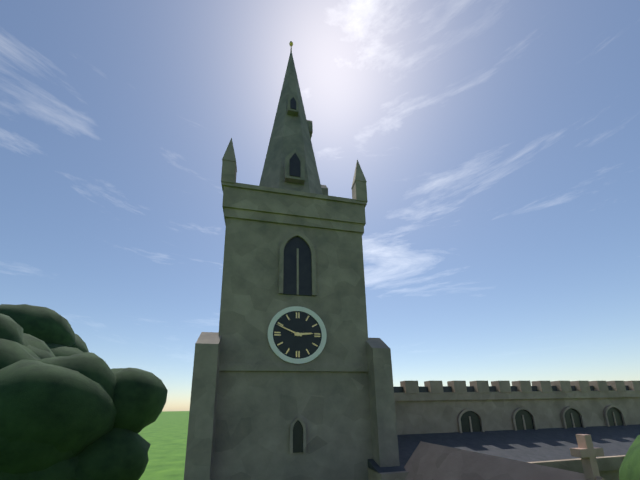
2:49
